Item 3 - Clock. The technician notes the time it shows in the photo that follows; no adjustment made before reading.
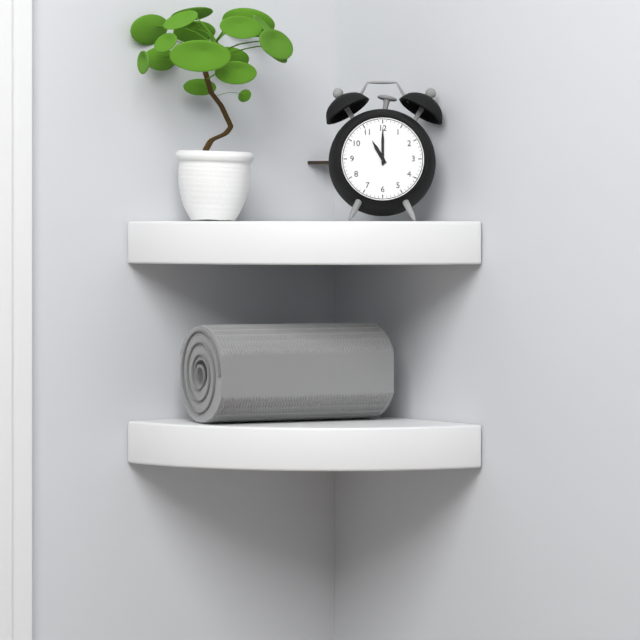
11:00
